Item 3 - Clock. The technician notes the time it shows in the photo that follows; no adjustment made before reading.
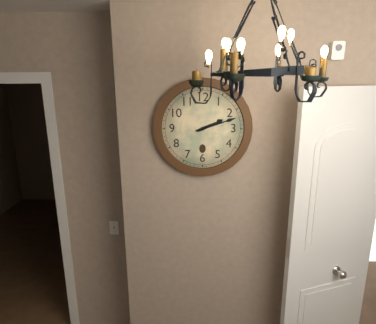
2:12
